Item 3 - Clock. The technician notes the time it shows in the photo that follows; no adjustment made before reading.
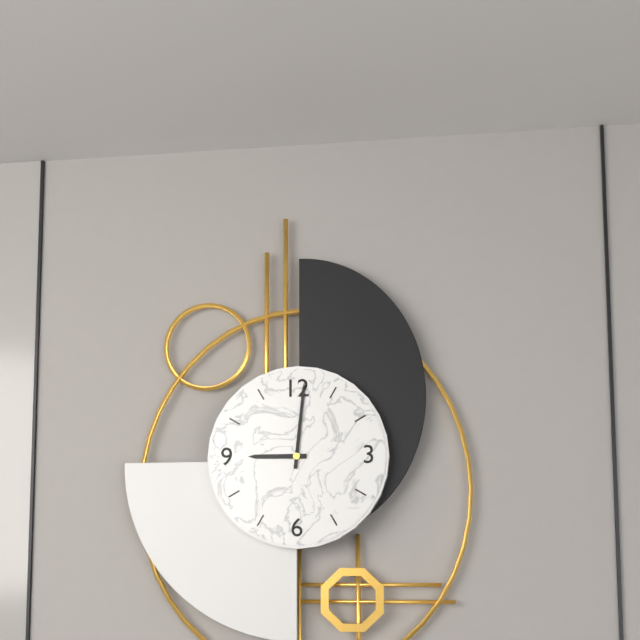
9:01
